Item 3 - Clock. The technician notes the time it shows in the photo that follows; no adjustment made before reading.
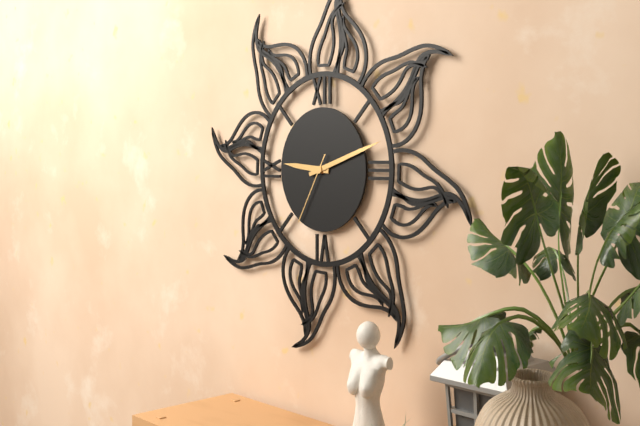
9:12:35
